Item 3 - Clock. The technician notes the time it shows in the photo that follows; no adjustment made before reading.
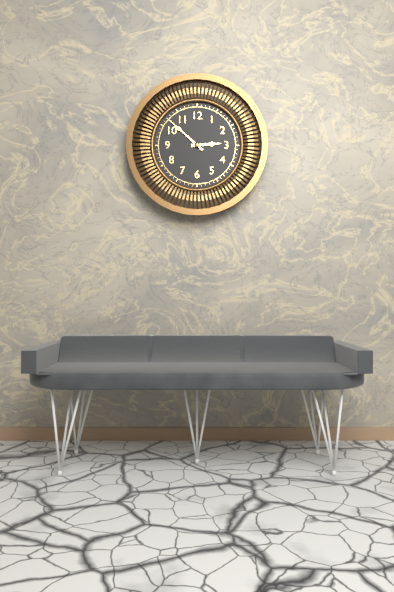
2:52
